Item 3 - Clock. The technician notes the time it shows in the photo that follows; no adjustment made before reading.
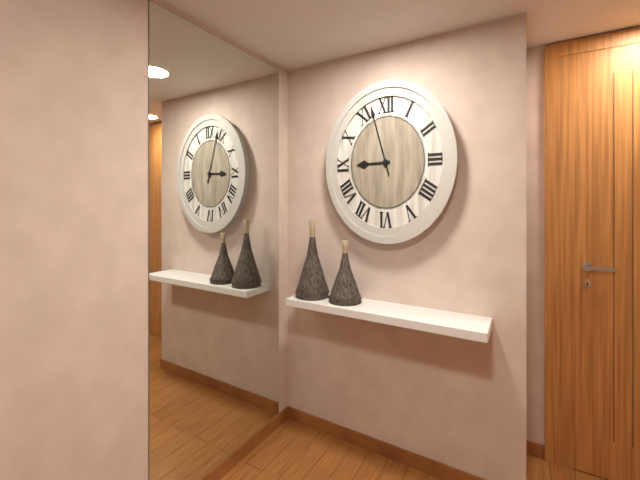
8:57
